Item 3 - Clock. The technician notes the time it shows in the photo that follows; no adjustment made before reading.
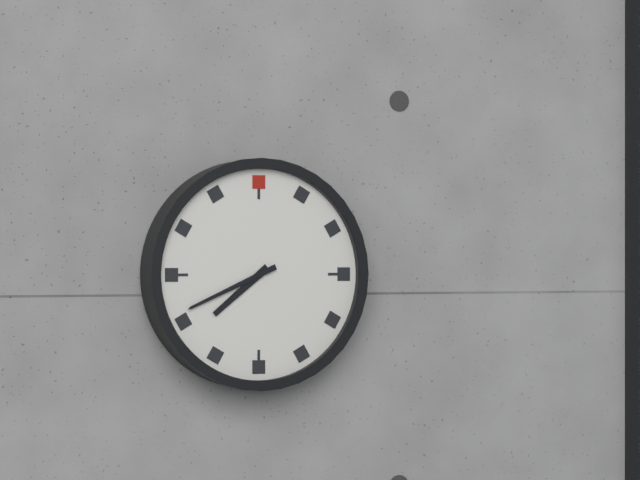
7:41
